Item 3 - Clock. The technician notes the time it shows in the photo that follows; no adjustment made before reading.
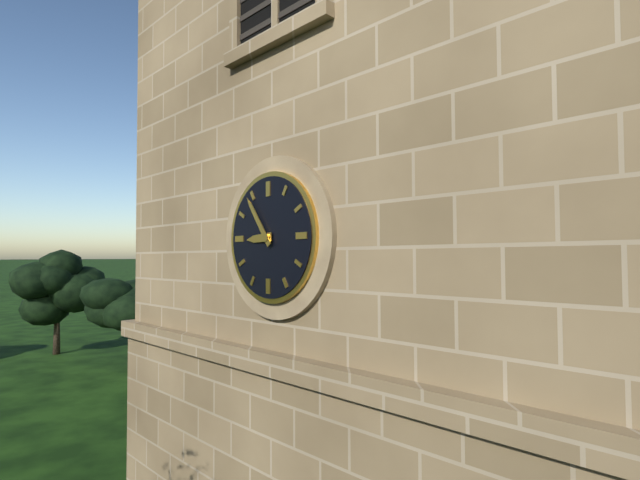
8:54
